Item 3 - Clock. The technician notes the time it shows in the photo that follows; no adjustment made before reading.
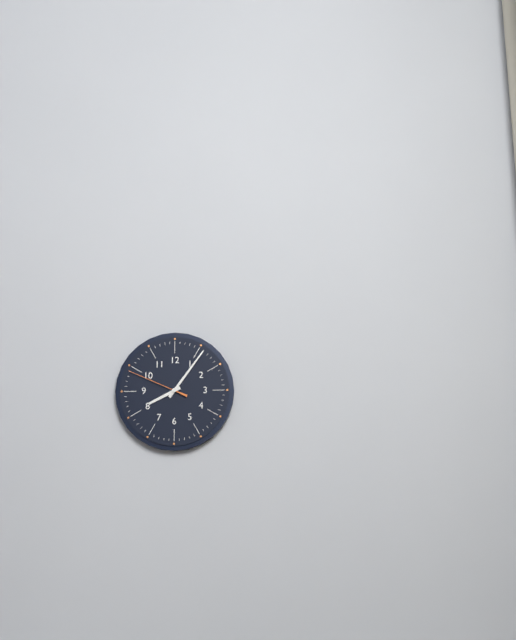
8:06:49
